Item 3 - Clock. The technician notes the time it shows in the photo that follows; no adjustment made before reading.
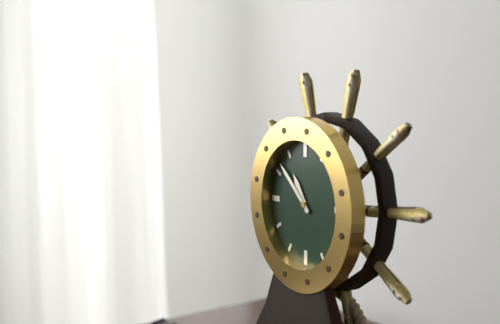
10:52
